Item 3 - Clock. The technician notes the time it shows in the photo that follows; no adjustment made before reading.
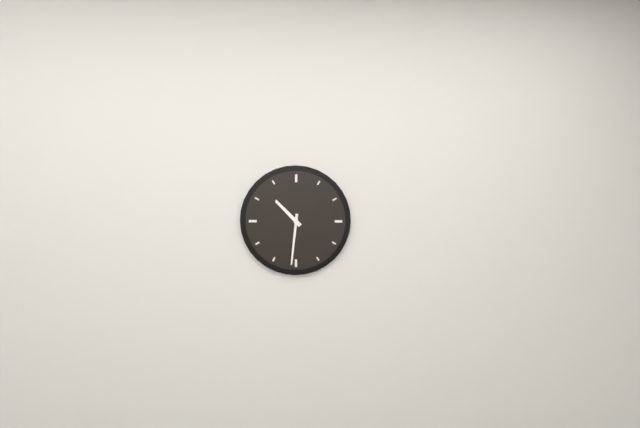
10:31
